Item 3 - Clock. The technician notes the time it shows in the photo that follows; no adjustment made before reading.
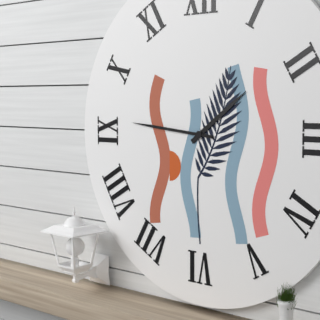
1:46
